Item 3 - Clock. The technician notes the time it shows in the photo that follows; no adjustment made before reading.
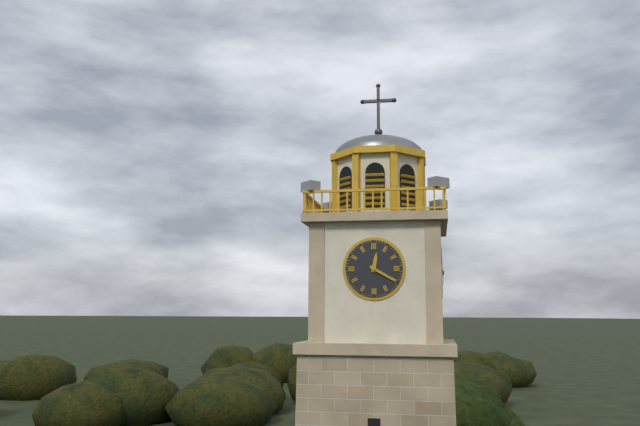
12:20
